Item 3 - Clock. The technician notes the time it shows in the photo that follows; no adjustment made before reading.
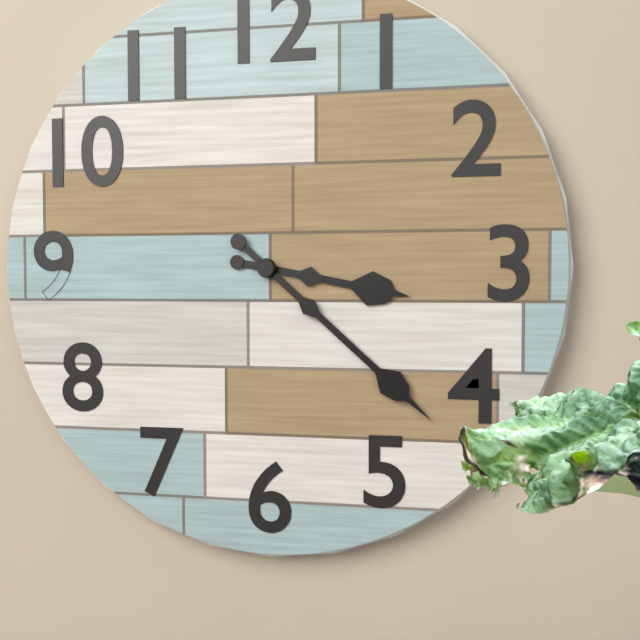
3:22
